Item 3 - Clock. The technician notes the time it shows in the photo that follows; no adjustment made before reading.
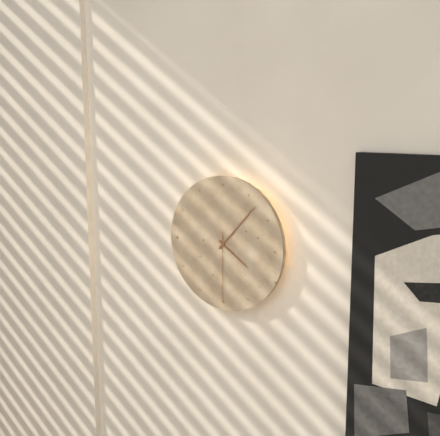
4:07:30
